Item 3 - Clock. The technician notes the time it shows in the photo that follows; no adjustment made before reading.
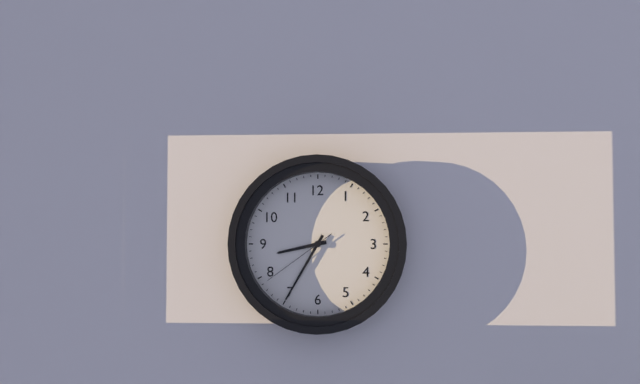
8:35:39
